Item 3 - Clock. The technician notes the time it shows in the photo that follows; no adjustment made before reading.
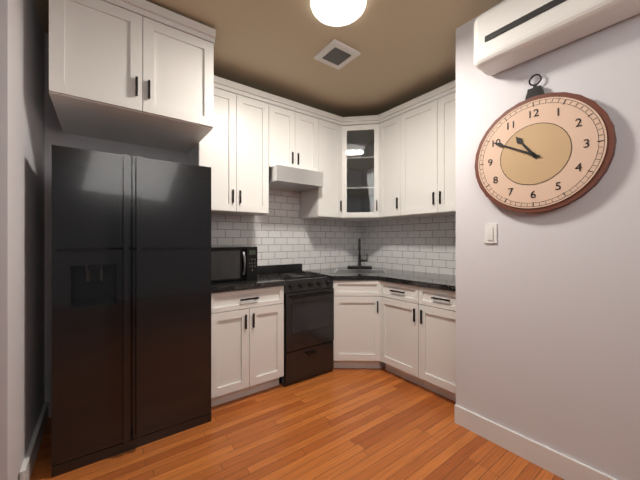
10:50
